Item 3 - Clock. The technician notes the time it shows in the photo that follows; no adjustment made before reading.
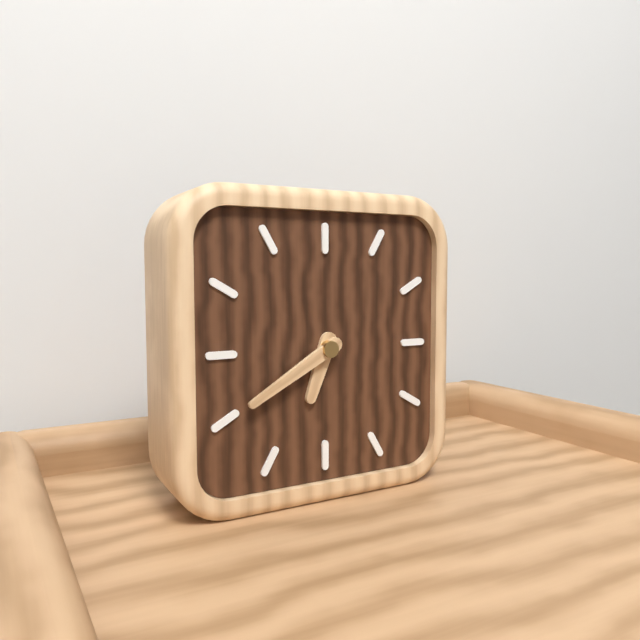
6:40
